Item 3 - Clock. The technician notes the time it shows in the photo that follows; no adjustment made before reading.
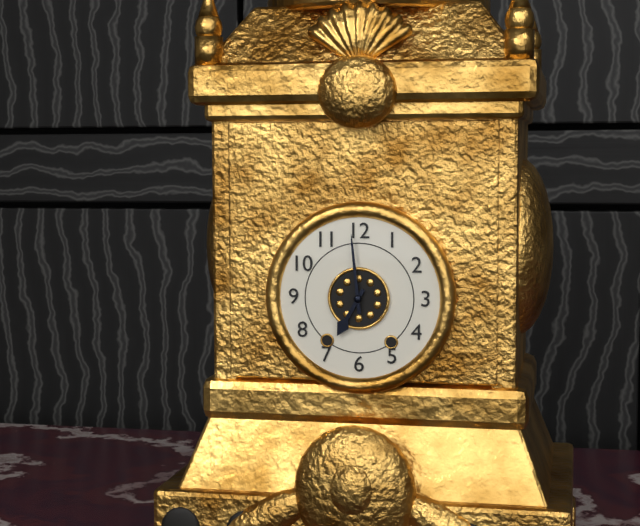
6:59
